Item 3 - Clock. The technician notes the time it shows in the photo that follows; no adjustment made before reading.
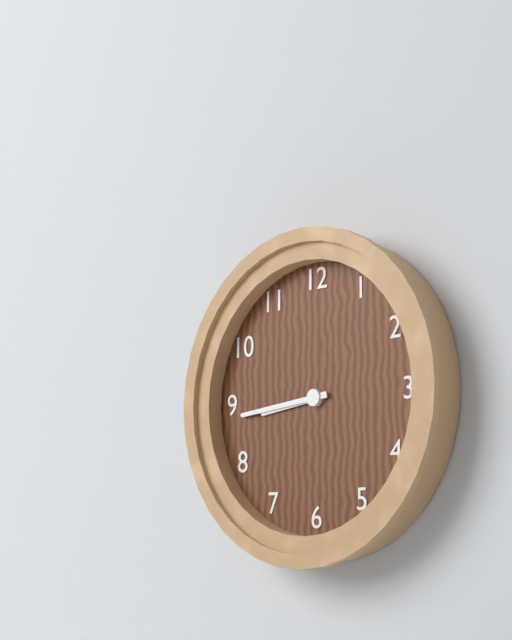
8:44
